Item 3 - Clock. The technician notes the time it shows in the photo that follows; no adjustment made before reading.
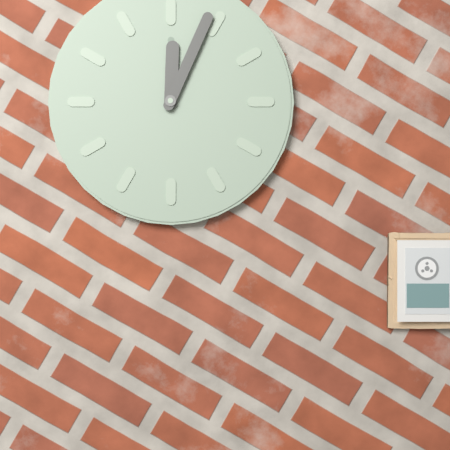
12:04
